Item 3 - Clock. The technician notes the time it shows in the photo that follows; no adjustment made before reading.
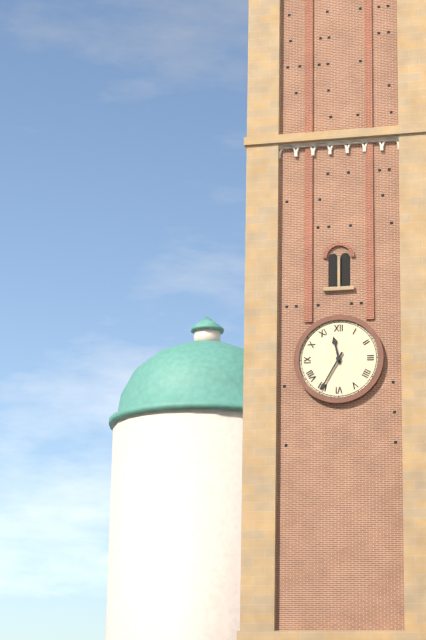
11:35
